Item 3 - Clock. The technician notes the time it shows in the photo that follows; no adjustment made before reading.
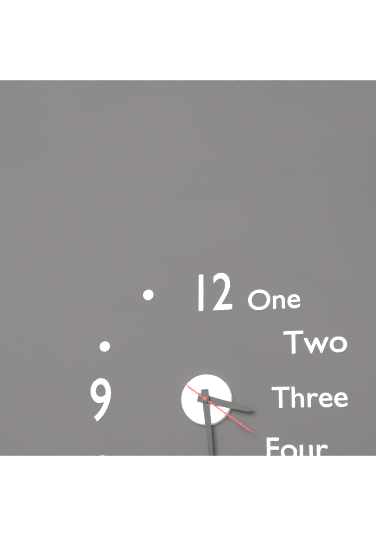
3:29:21
